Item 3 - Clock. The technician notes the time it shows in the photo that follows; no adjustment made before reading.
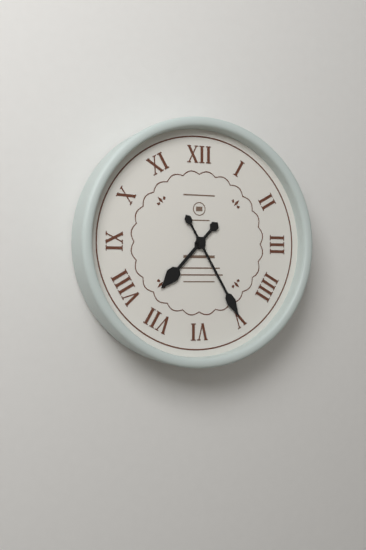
7:25
